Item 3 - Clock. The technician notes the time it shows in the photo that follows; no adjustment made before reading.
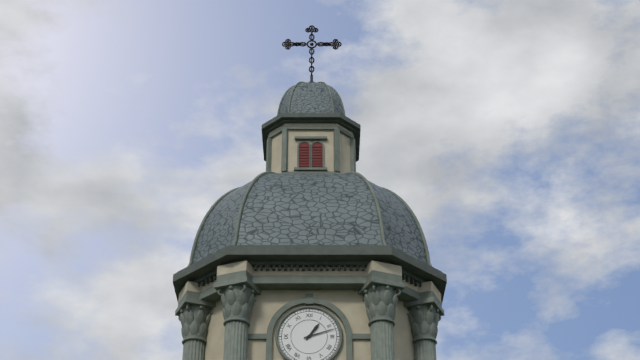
1:12
